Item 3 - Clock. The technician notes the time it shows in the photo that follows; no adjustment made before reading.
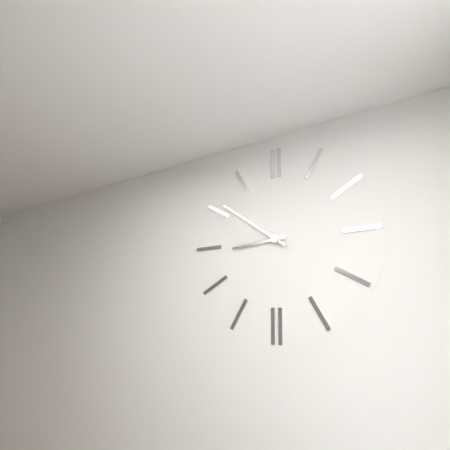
8:51
